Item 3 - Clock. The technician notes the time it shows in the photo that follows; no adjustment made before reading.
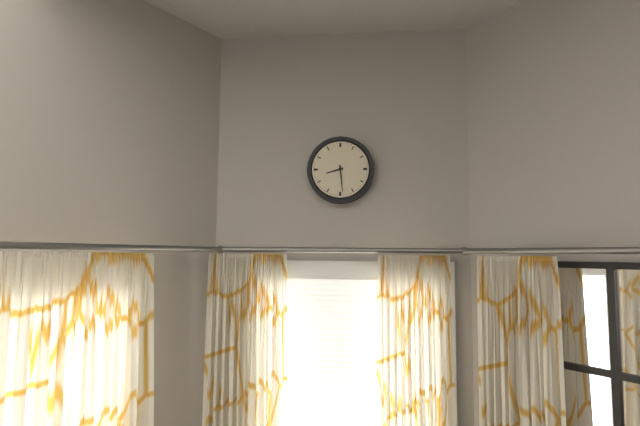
8:29
